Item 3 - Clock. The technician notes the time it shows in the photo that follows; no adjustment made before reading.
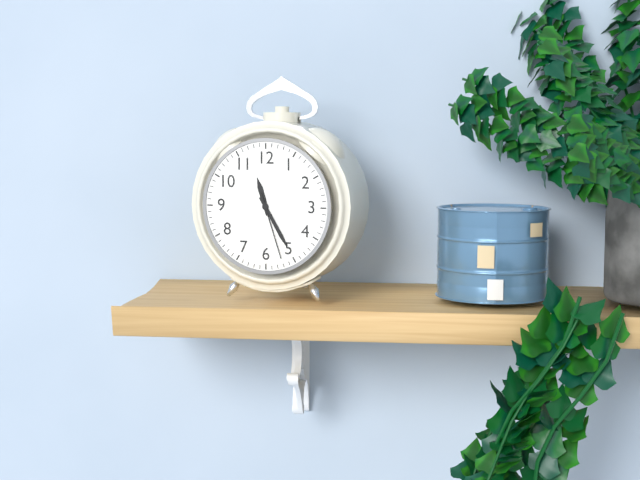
11:25:27
